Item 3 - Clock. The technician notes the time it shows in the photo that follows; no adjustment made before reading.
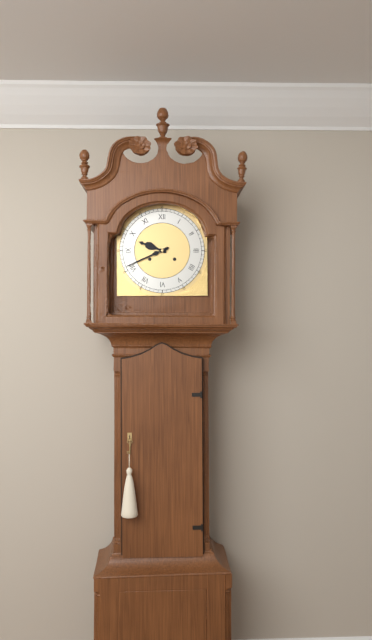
9:41
